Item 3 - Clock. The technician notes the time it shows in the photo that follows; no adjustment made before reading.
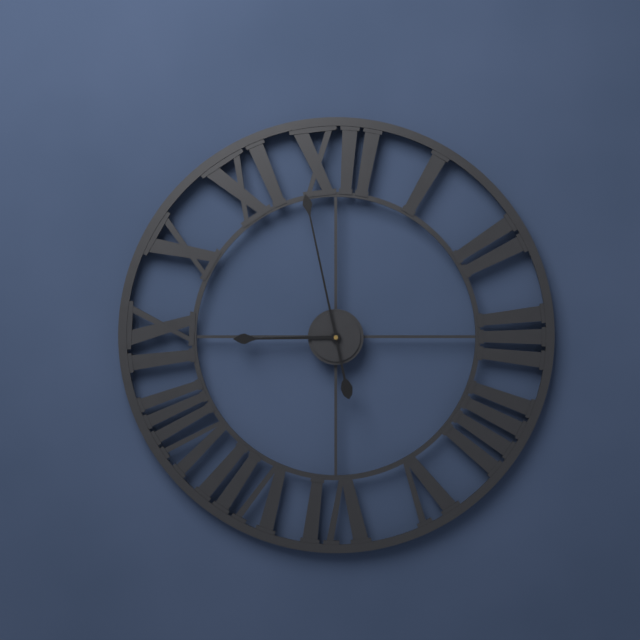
8:58
